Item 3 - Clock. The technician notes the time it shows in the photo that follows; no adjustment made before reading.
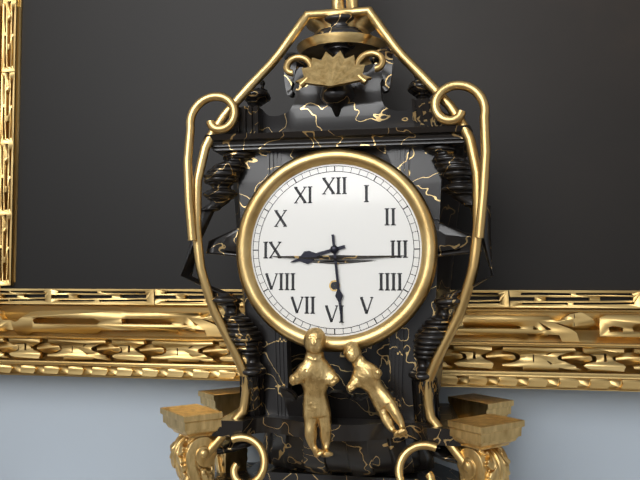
8:29
